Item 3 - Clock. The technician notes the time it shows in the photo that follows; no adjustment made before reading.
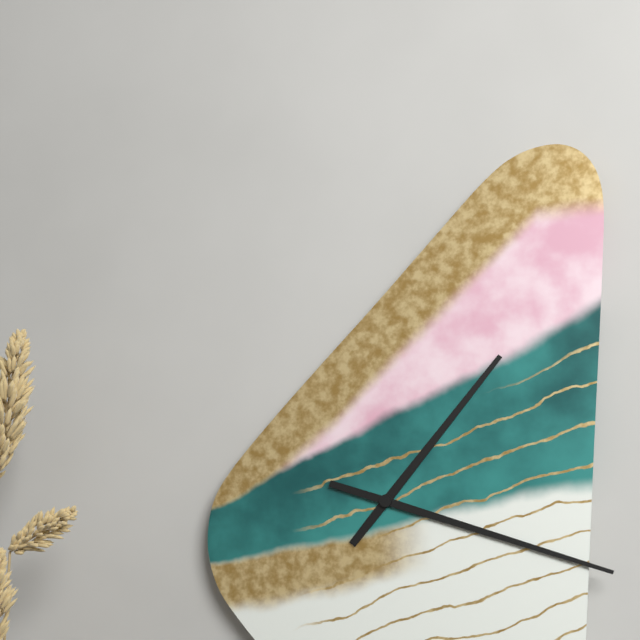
1:18
